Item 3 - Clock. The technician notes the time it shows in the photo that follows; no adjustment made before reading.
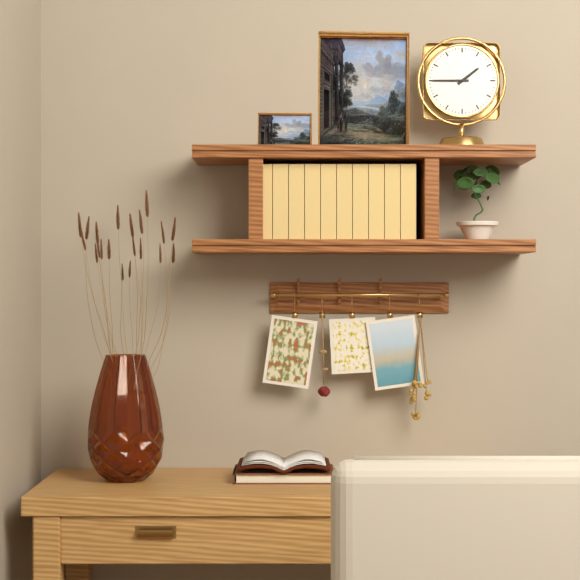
1:45
